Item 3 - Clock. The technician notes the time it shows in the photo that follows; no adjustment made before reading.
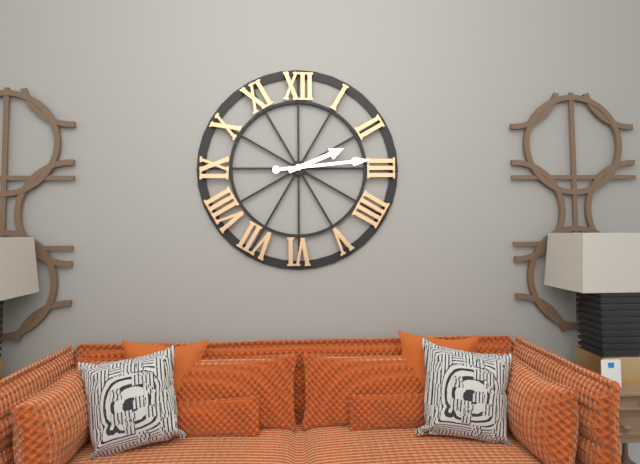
2:14
